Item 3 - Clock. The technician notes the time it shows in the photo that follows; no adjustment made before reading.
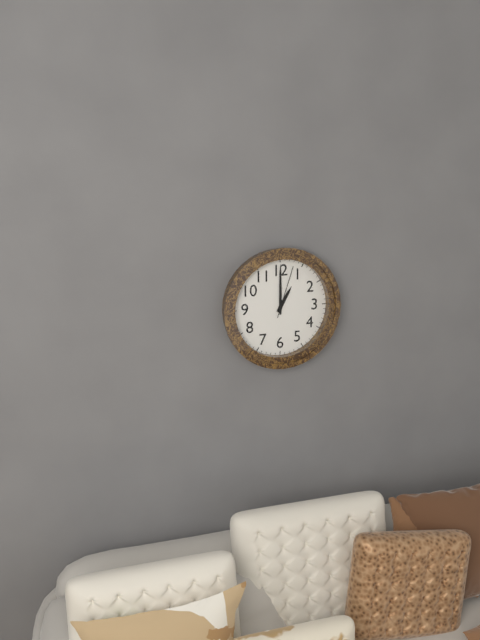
1:00:03
